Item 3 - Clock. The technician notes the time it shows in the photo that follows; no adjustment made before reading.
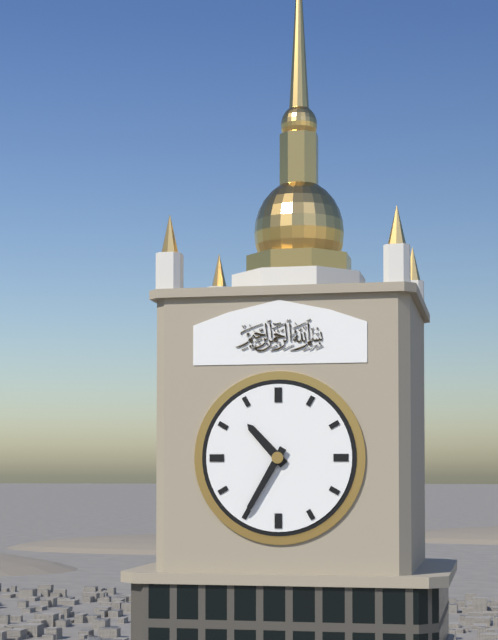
10:35
